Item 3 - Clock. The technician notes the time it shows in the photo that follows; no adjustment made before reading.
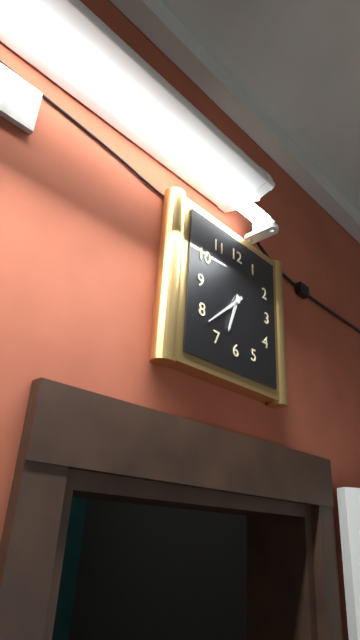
6:38
